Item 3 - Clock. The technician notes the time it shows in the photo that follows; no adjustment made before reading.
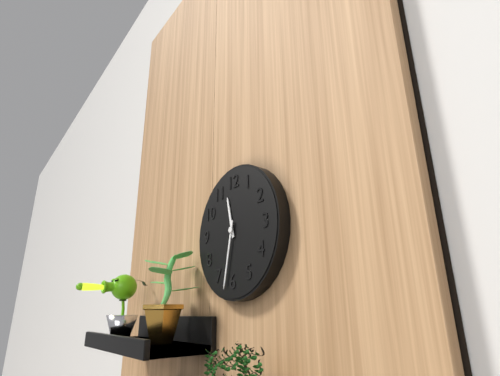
11:32
